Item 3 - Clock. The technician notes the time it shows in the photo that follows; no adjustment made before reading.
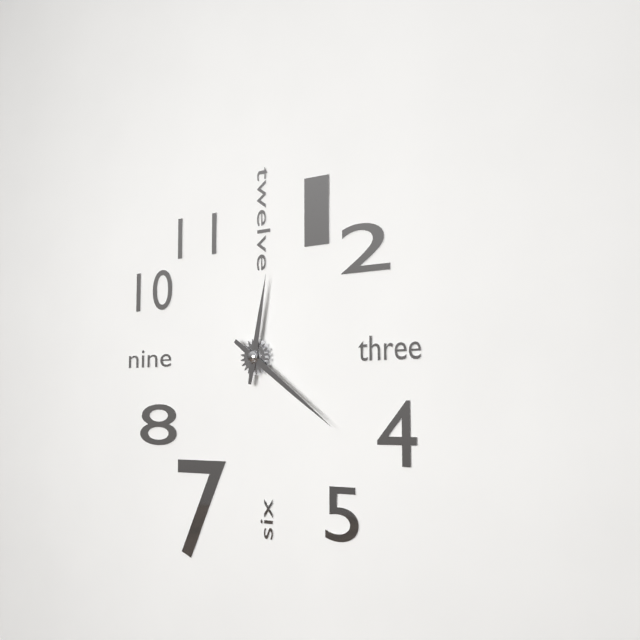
12:21
